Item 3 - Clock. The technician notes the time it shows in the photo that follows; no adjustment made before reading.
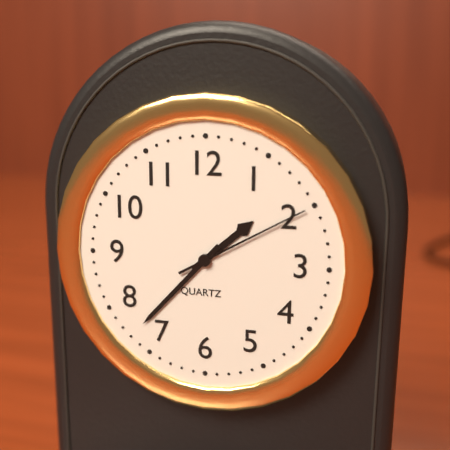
1:37:10
